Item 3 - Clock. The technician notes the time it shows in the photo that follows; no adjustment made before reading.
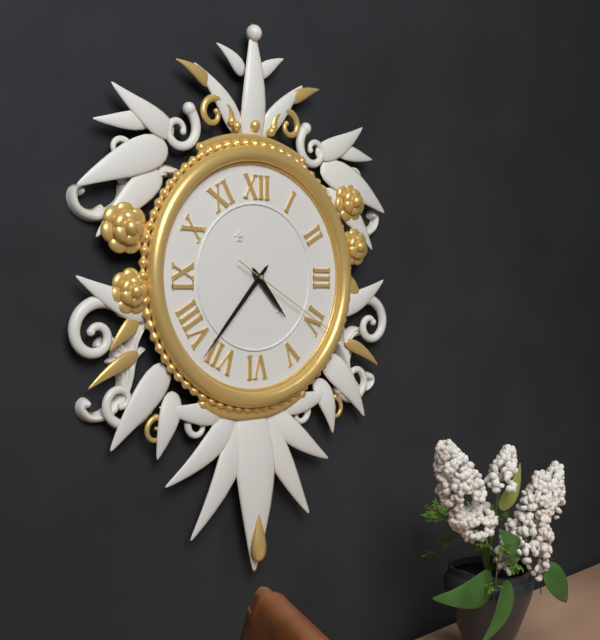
4:37:20
